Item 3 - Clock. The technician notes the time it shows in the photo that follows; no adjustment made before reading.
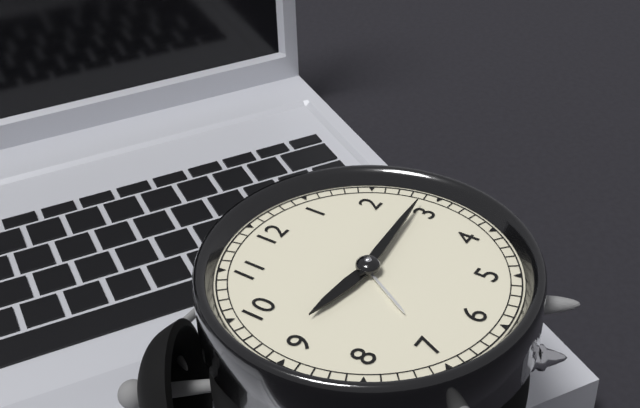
9:14
